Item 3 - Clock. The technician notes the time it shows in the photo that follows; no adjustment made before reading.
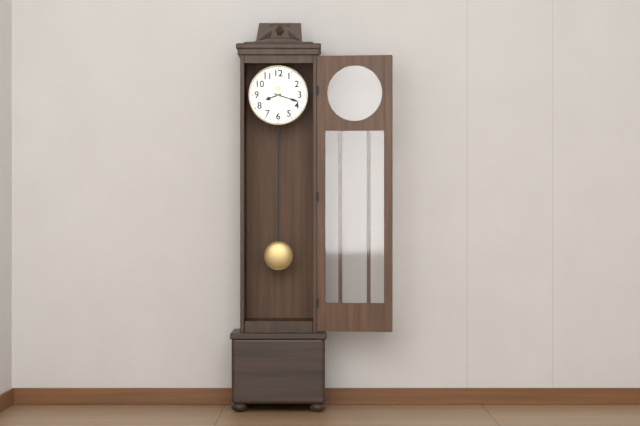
8:18
